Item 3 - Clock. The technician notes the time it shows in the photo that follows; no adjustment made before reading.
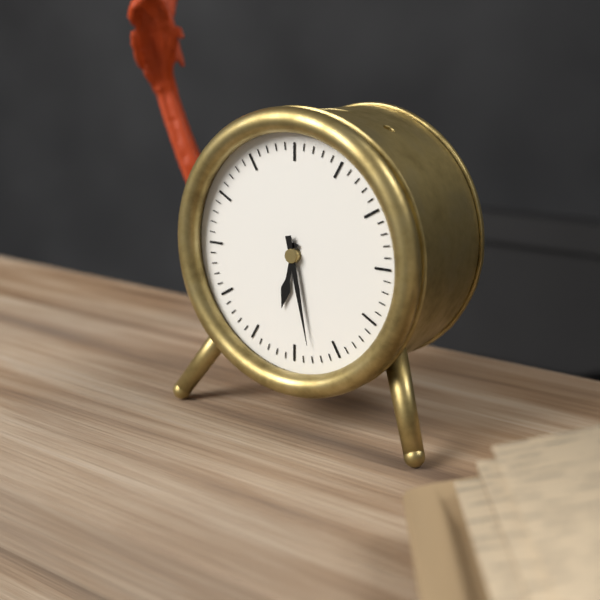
6:28
